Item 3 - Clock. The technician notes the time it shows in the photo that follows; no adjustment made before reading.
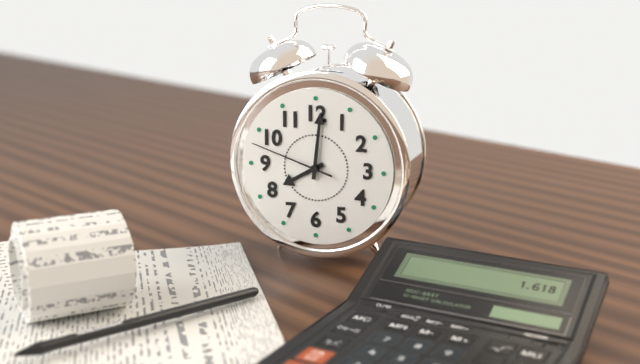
8:01:48
